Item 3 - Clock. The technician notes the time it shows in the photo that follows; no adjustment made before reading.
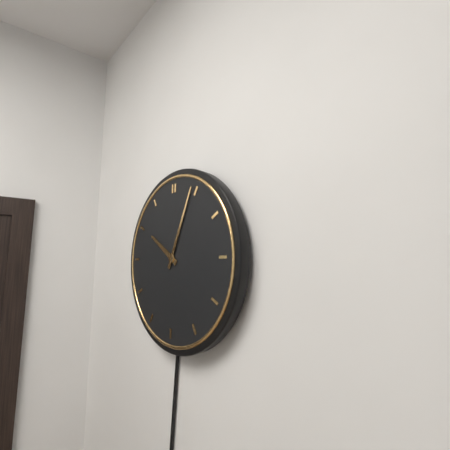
10:04
